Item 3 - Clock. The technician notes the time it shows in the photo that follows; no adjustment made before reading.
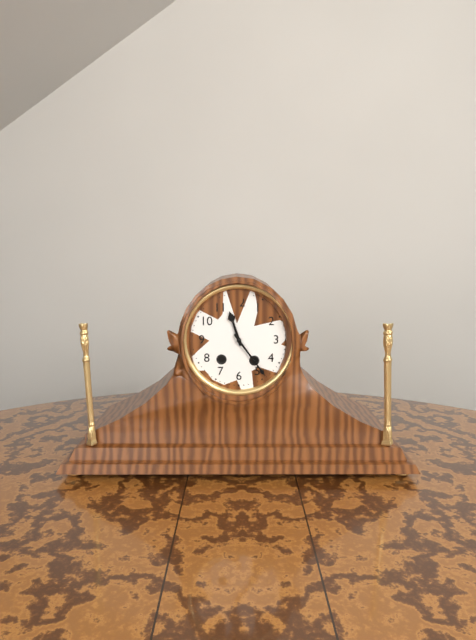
11:24
